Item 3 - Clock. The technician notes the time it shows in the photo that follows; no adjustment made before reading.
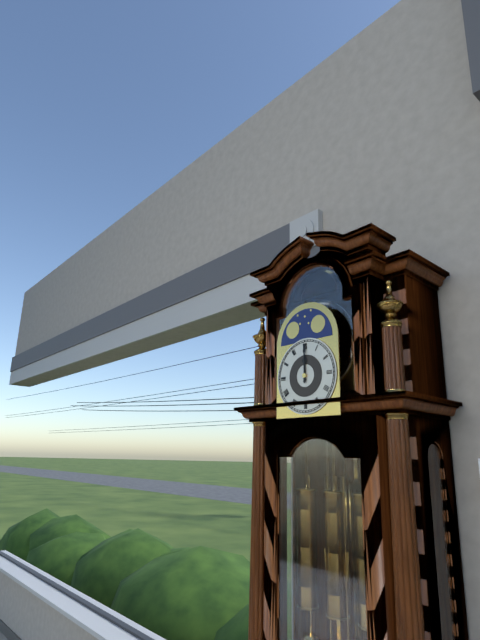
12:00
